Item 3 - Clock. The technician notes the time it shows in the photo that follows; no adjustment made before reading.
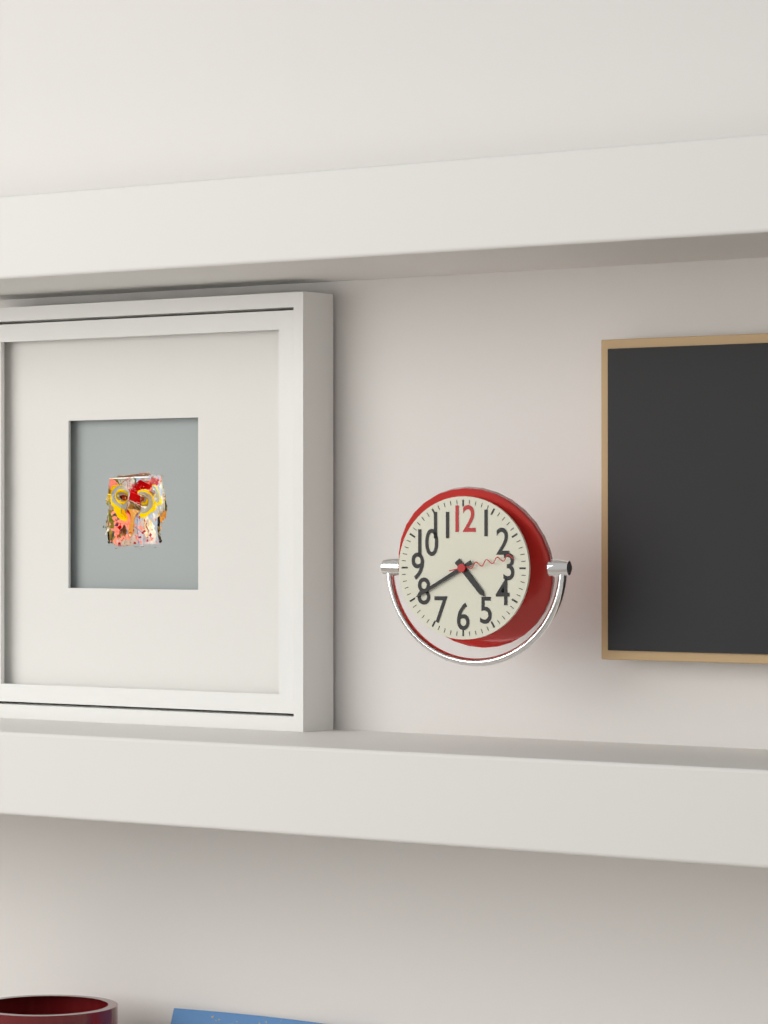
4:40:13
